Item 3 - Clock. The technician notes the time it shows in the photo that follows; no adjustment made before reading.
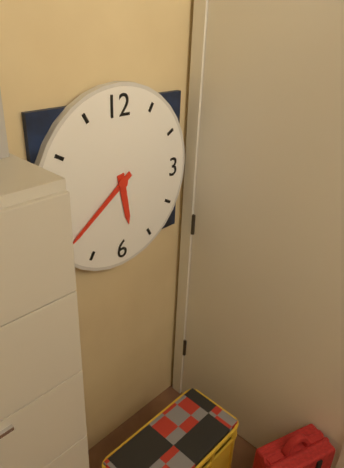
5:39
